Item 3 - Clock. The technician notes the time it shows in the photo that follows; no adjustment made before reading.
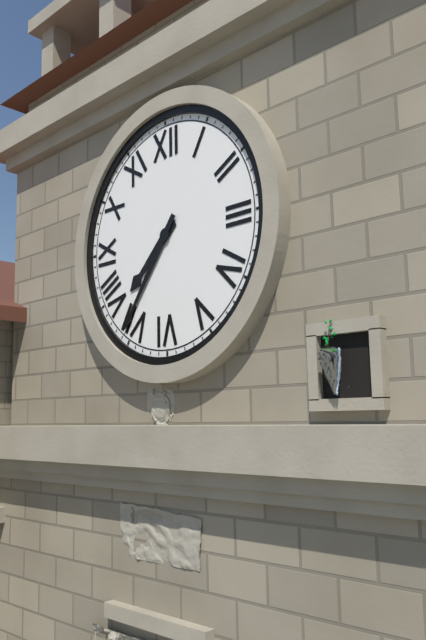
7:36
